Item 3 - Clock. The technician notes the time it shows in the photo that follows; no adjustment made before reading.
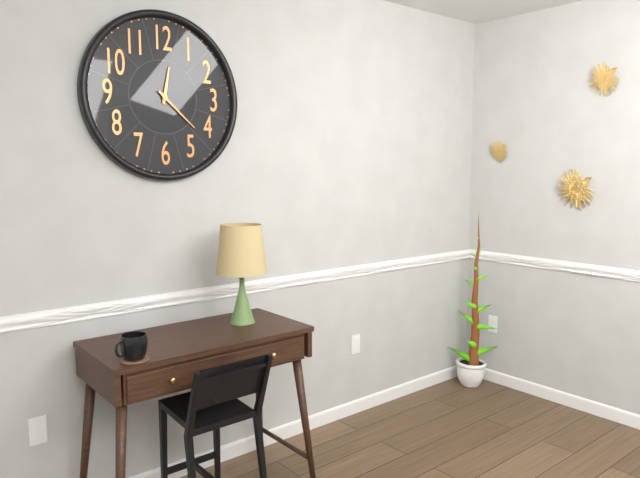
12:22
